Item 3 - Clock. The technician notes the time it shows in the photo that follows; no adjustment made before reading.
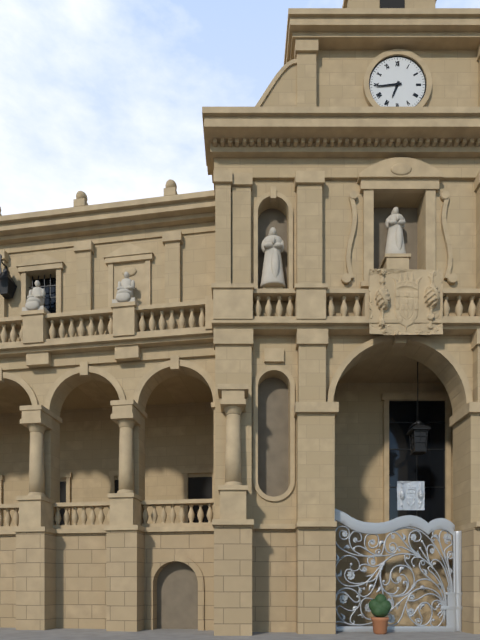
6:44
